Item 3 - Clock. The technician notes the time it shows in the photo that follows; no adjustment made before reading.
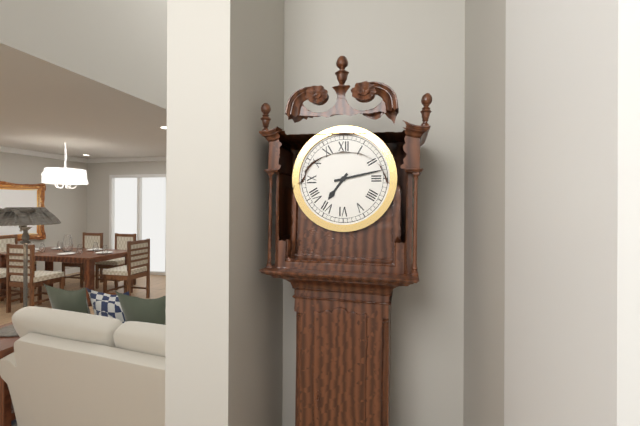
7:13
